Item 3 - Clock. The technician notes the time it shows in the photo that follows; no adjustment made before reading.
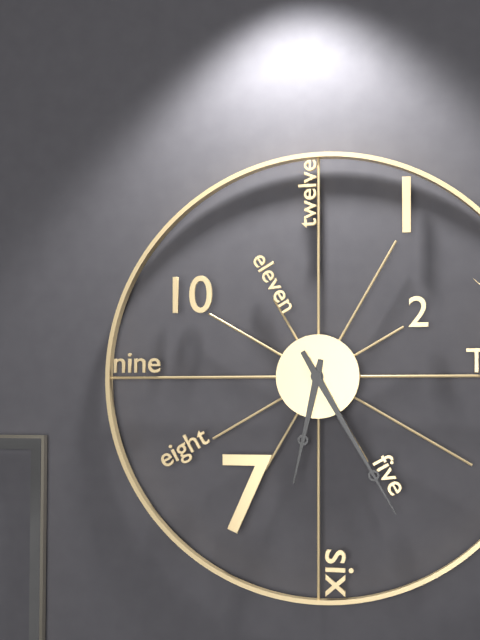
6:25
